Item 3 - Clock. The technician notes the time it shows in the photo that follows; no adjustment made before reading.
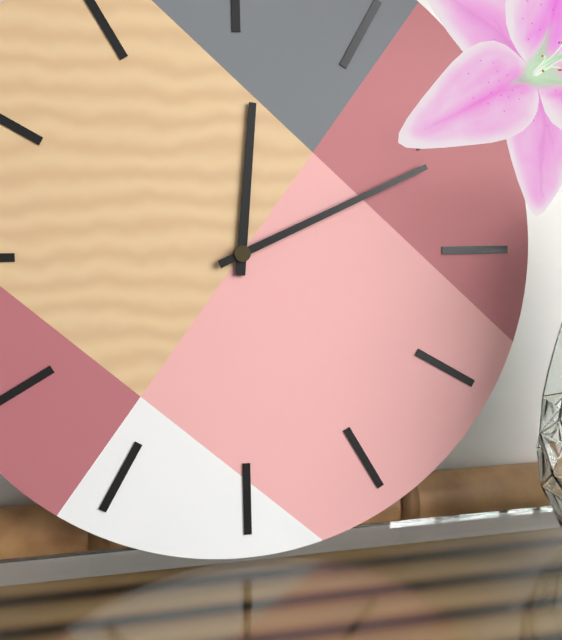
12:11
